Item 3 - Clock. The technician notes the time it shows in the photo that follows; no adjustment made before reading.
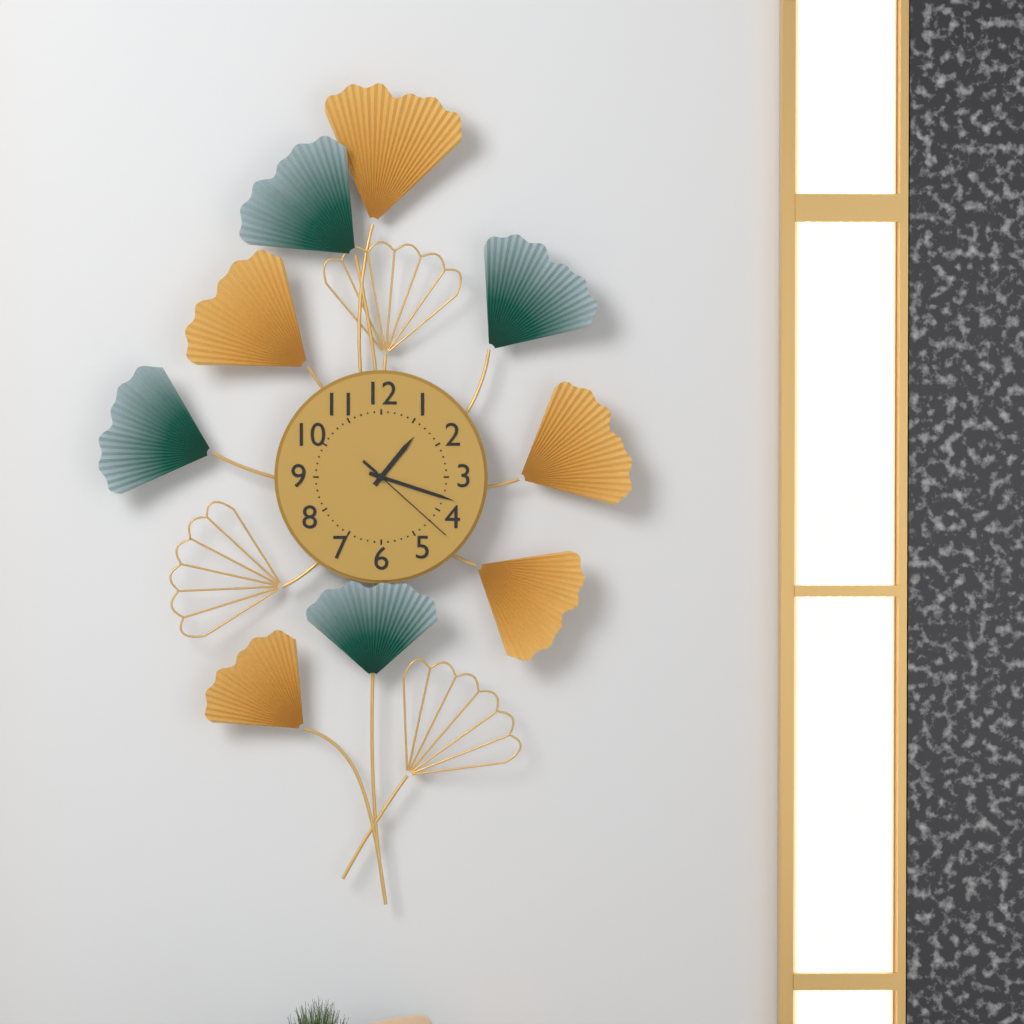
1:18:22
